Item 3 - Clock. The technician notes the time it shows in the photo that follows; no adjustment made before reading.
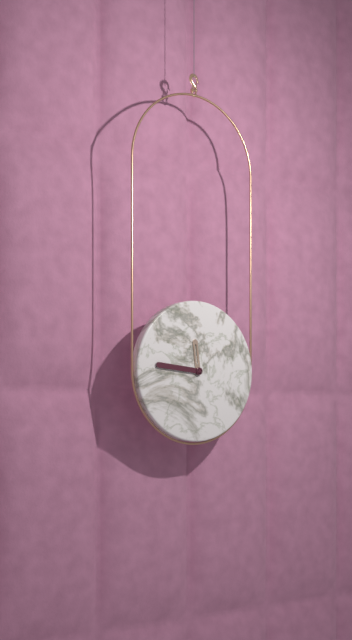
11:46
